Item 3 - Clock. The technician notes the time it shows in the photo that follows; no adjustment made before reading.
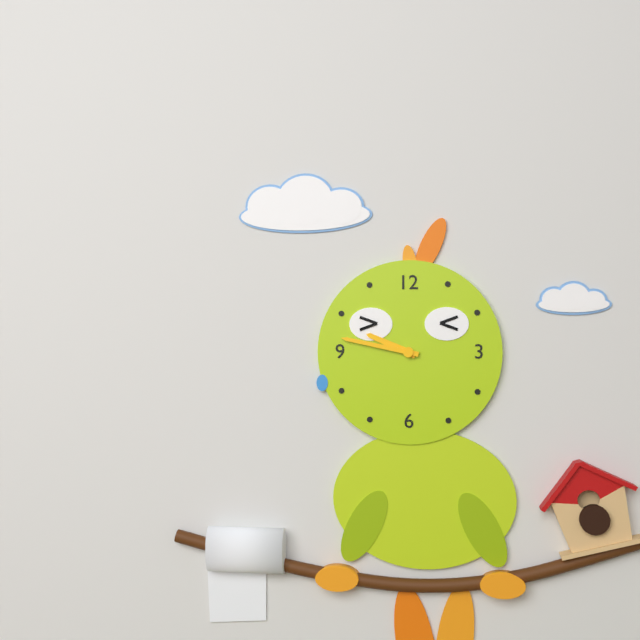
9:47
